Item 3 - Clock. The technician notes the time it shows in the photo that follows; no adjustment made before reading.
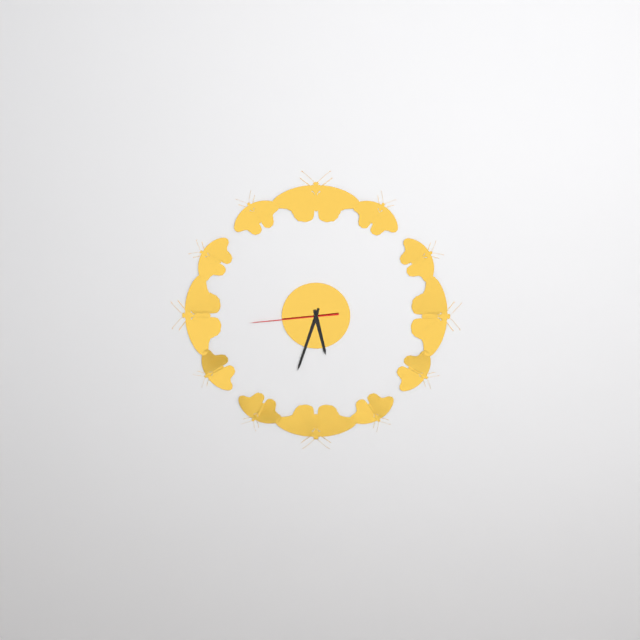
5:33:44
